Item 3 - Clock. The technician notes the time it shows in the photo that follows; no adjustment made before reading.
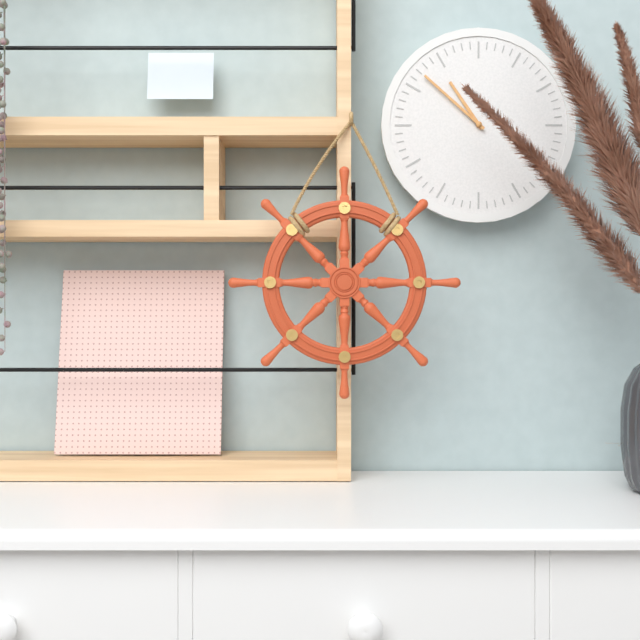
10:52
